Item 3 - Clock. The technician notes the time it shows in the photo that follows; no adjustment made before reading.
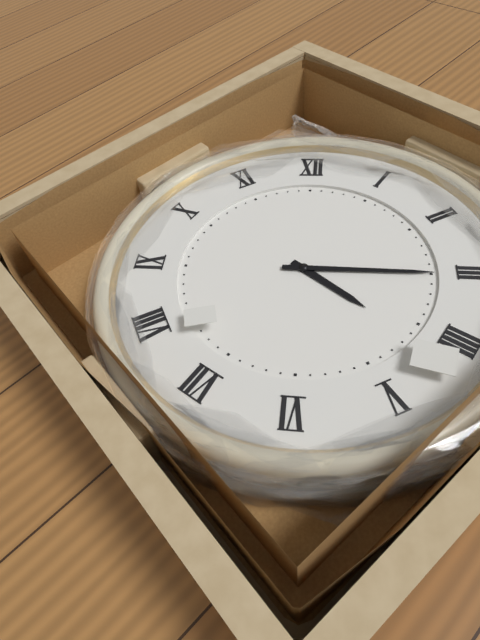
4:15
